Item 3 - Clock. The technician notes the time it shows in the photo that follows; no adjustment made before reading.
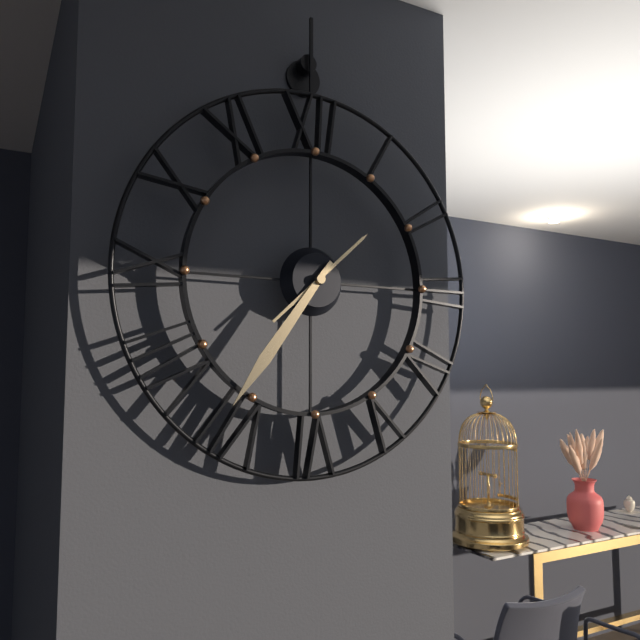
1:36
